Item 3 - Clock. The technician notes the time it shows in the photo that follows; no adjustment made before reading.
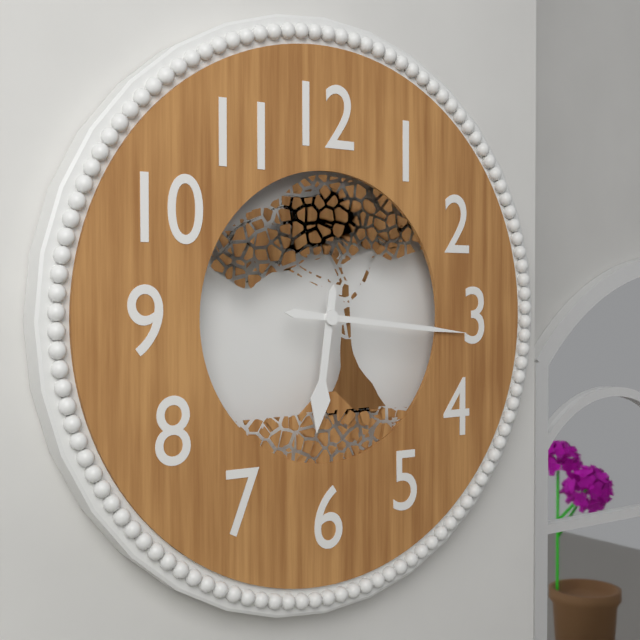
6:16
